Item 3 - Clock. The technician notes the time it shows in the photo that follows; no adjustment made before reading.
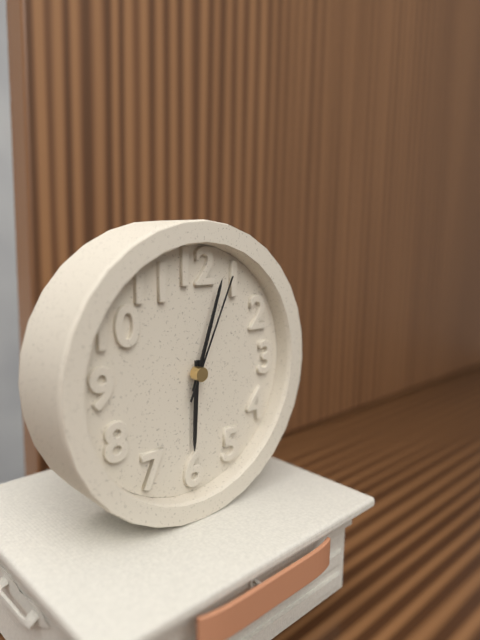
6:03:04
